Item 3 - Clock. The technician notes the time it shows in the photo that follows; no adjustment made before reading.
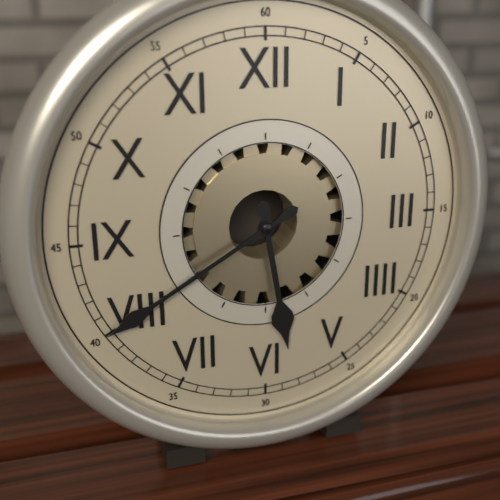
5:40
